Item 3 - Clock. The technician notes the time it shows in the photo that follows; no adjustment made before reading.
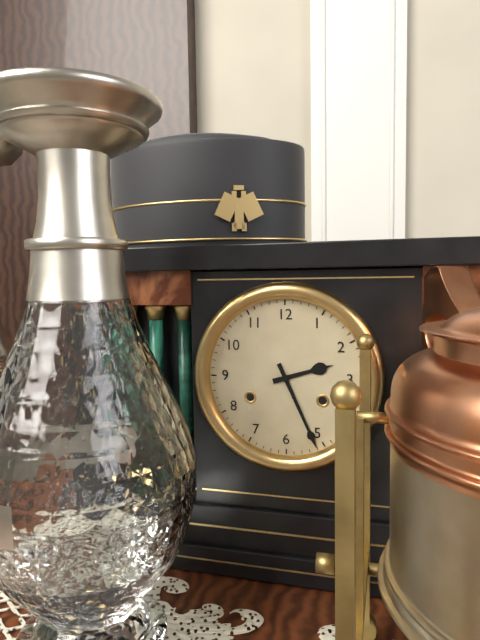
2:26
